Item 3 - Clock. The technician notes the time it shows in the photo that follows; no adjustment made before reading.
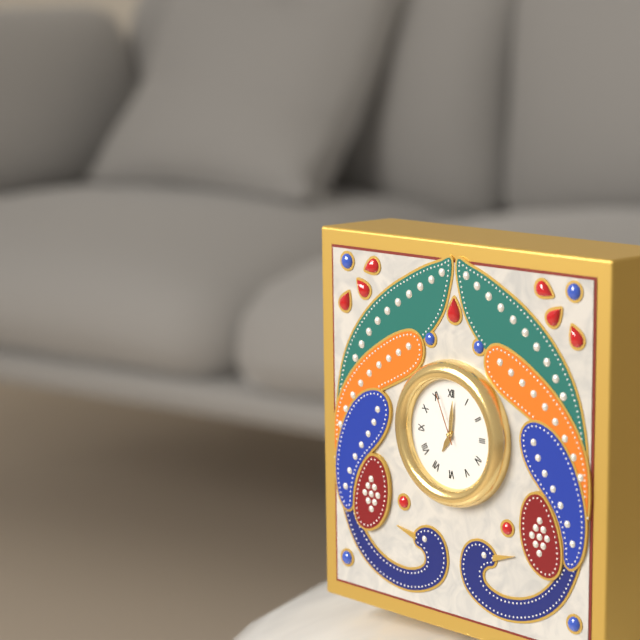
7:01:56
